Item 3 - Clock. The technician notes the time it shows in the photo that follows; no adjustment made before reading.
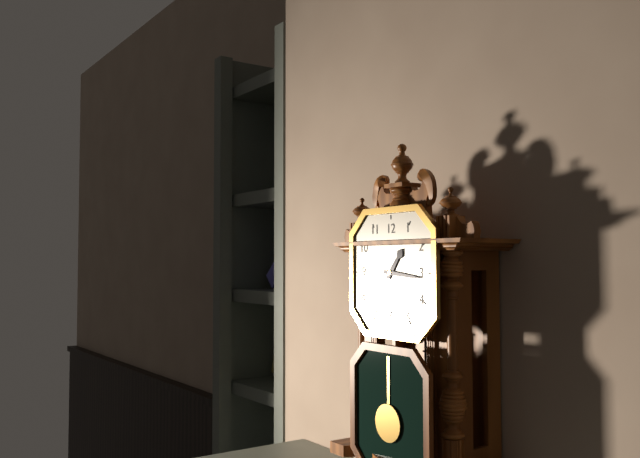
1:16
